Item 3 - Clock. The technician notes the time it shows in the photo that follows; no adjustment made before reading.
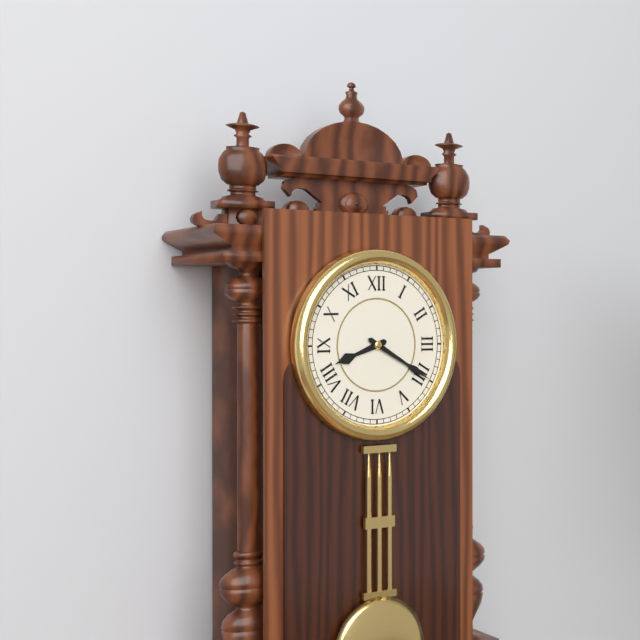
8:20
